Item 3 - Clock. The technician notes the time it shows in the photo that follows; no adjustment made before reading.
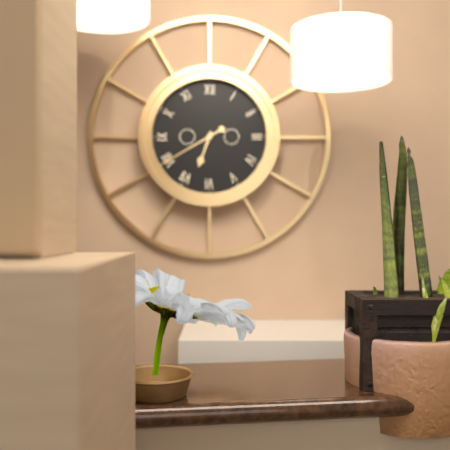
6:40
